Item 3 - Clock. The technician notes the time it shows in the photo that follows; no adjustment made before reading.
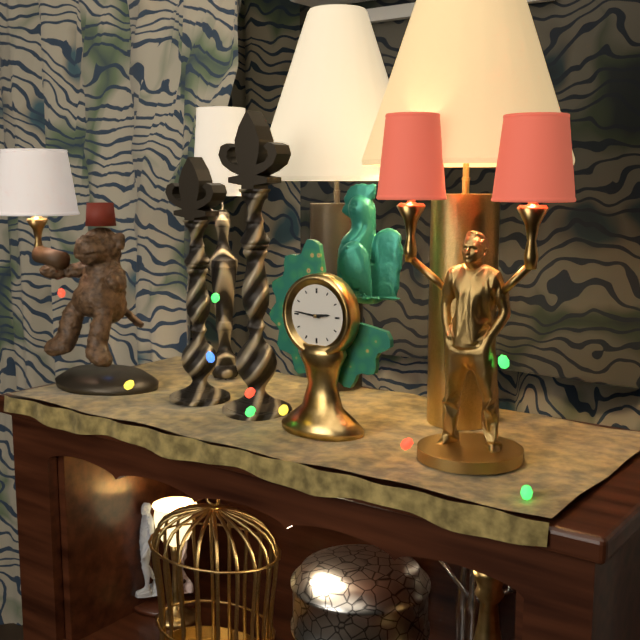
2:46
